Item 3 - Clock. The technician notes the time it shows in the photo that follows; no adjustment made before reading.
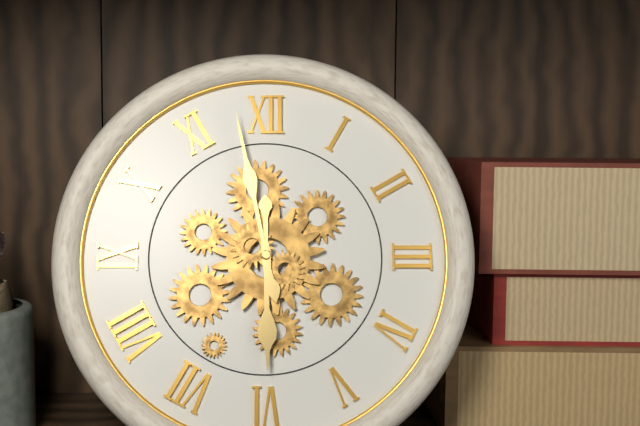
5:58
